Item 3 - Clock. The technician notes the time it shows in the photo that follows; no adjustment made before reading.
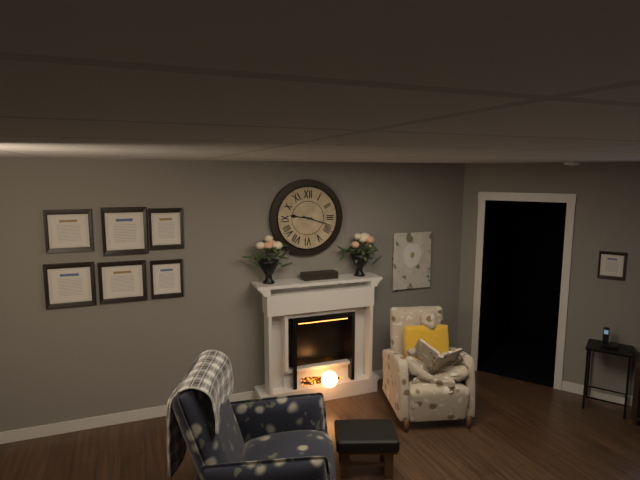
9:18
